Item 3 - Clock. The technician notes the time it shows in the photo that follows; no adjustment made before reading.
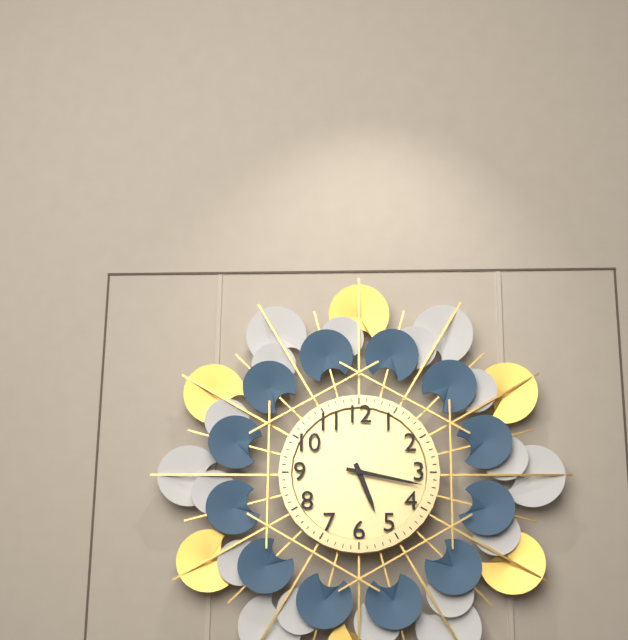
5:17
